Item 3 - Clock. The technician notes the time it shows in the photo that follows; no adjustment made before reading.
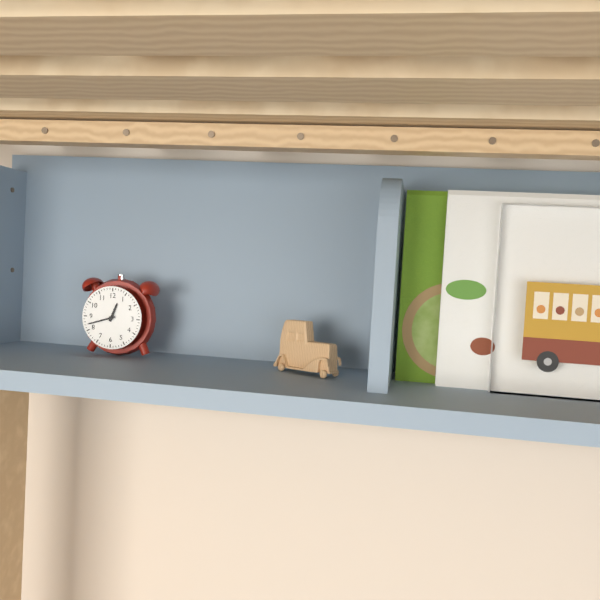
12:42
